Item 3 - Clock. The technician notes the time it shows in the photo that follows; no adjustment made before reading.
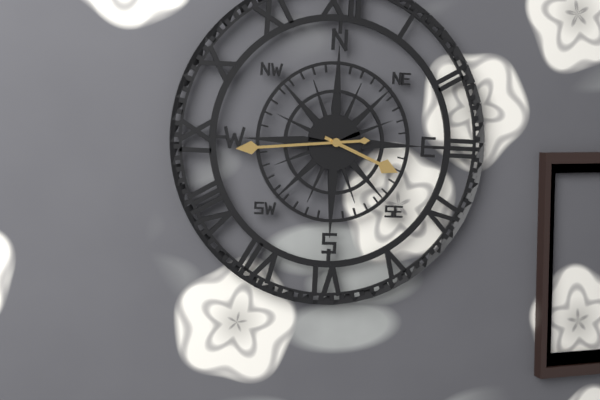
3:44
